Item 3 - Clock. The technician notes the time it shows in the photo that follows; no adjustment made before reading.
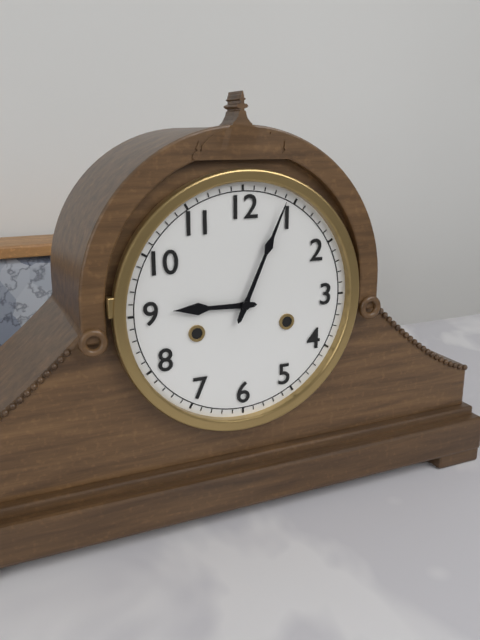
9:04
